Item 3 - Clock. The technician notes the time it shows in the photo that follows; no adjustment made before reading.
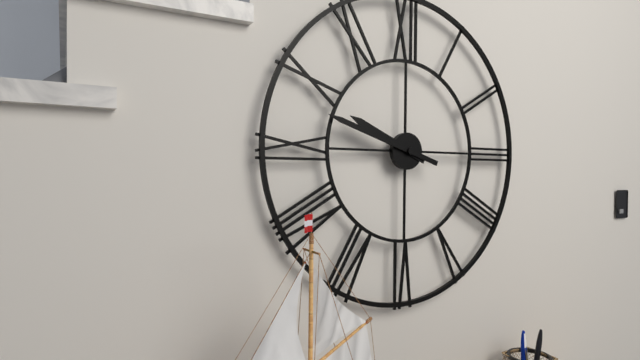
9:48
